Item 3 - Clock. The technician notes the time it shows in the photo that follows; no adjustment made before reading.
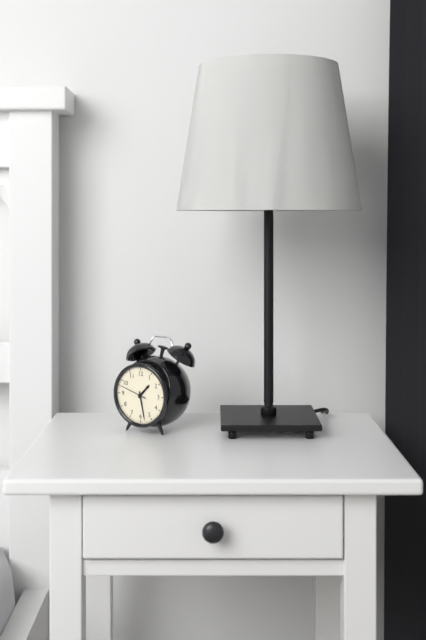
1:28
